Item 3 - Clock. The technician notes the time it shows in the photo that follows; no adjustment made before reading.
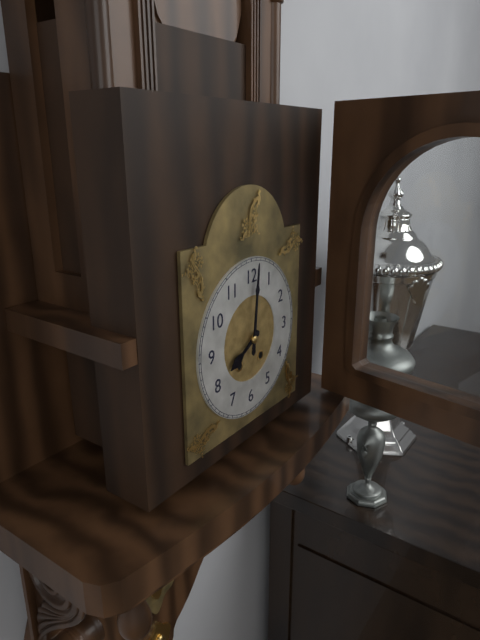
8:01
